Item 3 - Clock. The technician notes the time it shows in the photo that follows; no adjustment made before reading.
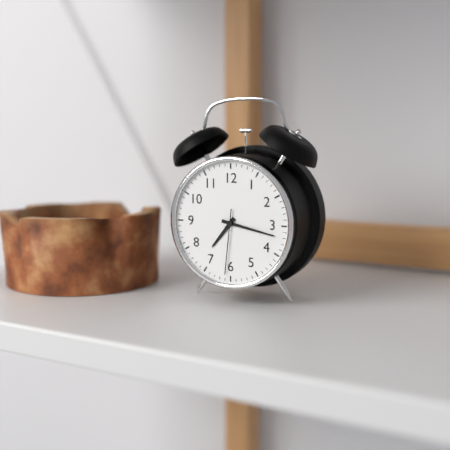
7:17:31
